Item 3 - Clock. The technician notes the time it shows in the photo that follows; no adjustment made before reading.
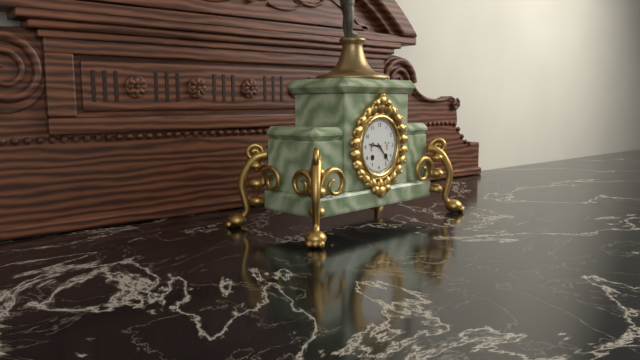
9:23
